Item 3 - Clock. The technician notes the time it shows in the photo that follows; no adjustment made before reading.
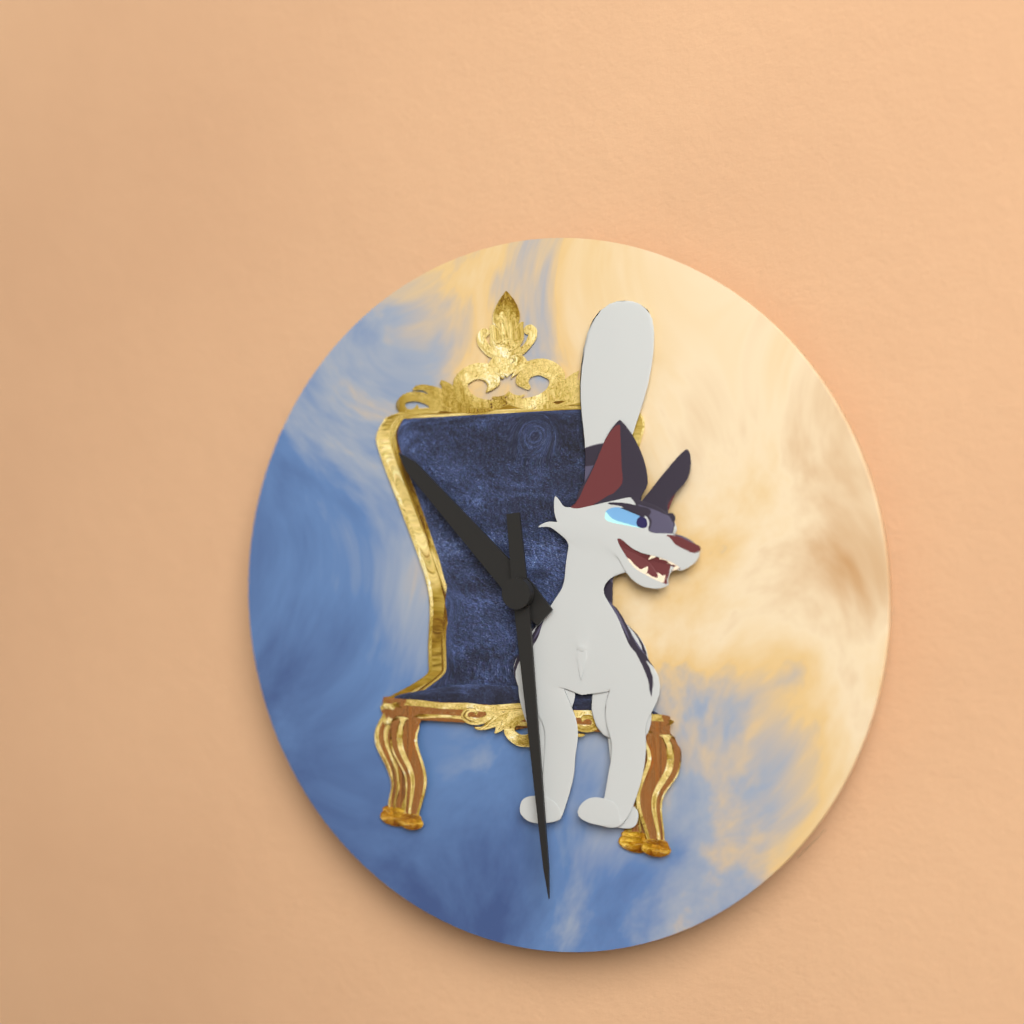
10:29
